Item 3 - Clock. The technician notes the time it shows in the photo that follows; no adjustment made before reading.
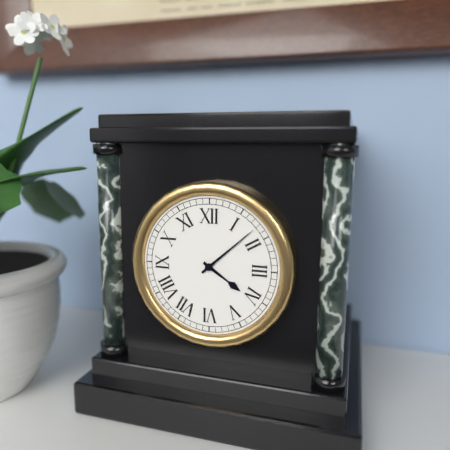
4:08
